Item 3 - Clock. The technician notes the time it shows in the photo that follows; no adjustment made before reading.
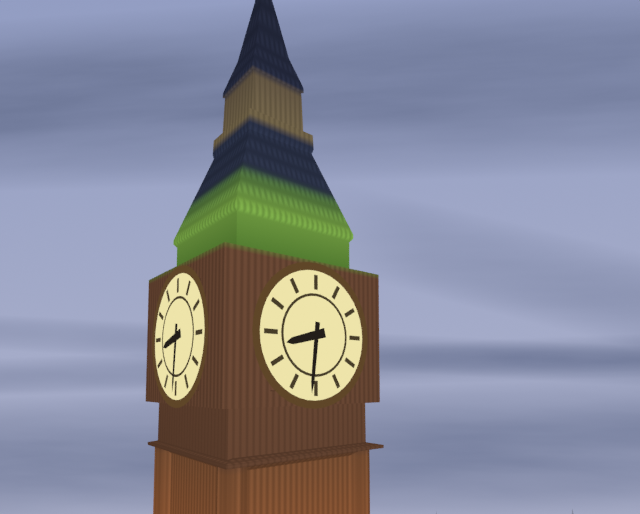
8:31
